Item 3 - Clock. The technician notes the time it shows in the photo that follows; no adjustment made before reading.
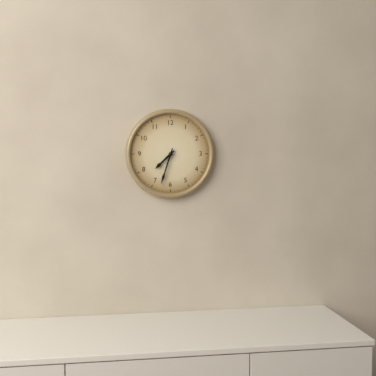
7:33
